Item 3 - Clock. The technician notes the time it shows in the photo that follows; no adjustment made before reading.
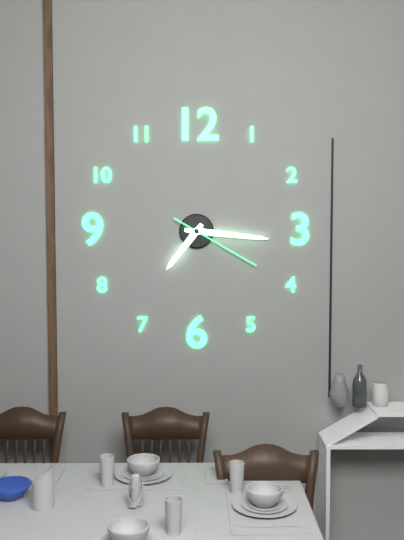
7:16:20
